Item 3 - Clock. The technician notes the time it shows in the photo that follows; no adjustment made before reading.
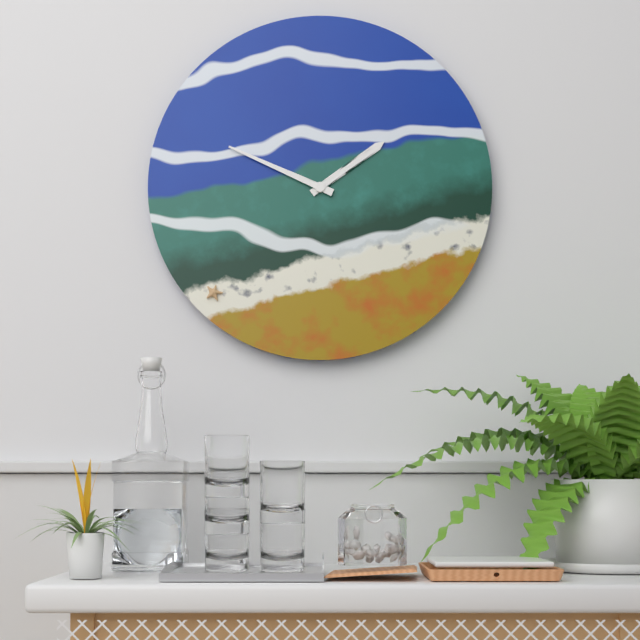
1:49
